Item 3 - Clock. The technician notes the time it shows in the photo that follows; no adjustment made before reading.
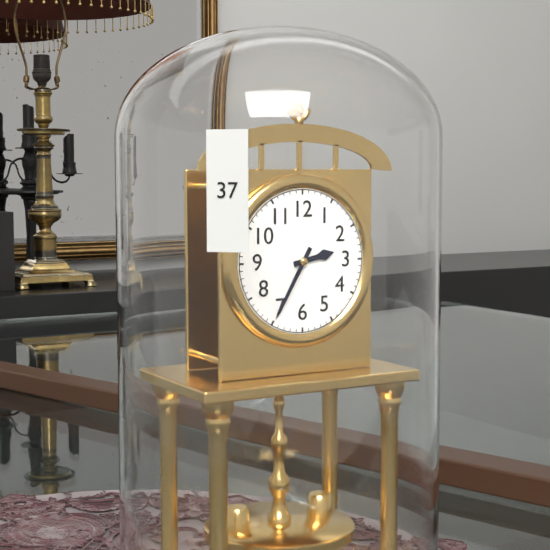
2:35
